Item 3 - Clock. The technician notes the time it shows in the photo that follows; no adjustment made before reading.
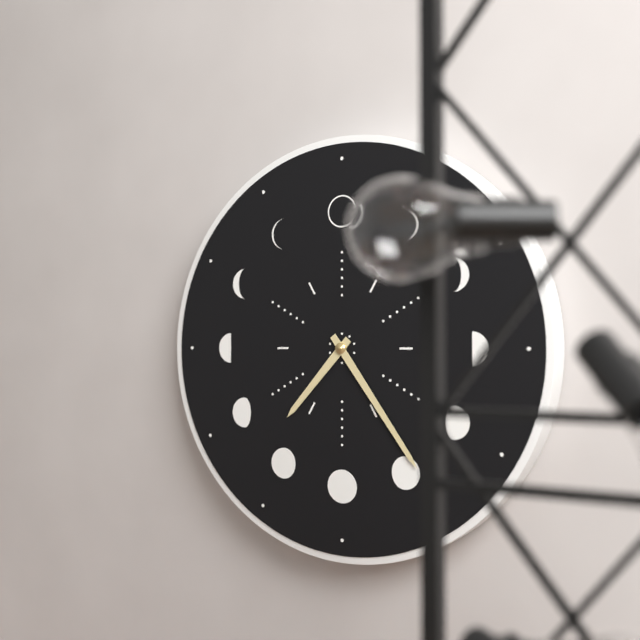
7:24
